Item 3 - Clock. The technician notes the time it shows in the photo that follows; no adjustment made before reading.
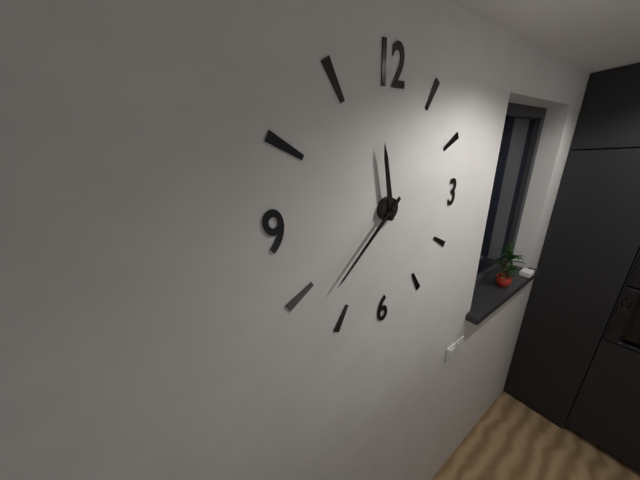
11:38
